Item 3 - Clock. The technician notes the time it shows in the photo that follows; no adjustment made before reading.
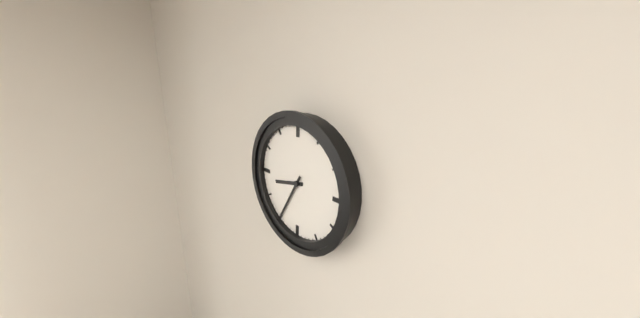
8:35
